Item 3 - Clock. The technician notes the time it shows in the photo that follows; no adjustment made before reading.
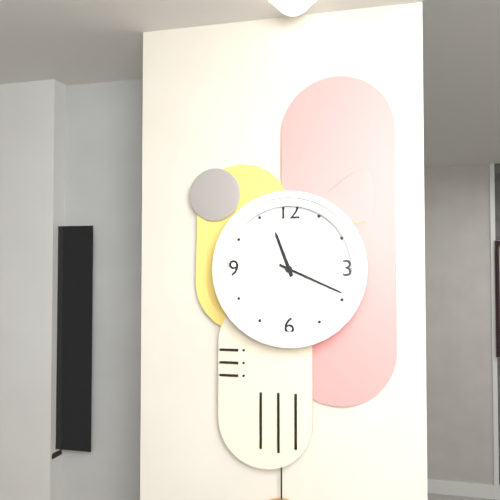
11:19
